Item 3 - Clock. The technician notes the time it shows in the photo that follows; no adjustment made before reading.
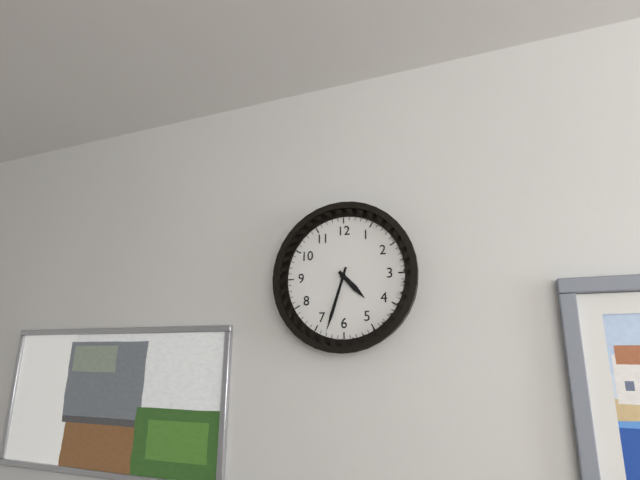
4:33
